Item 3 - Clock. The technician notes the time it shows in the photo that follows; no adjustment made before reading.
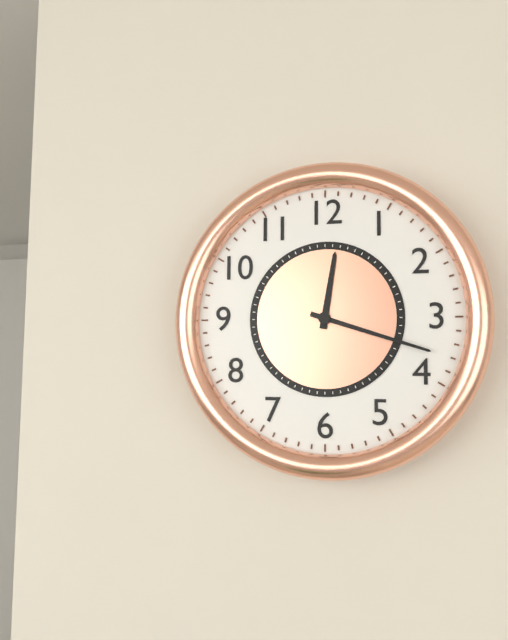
12:18
